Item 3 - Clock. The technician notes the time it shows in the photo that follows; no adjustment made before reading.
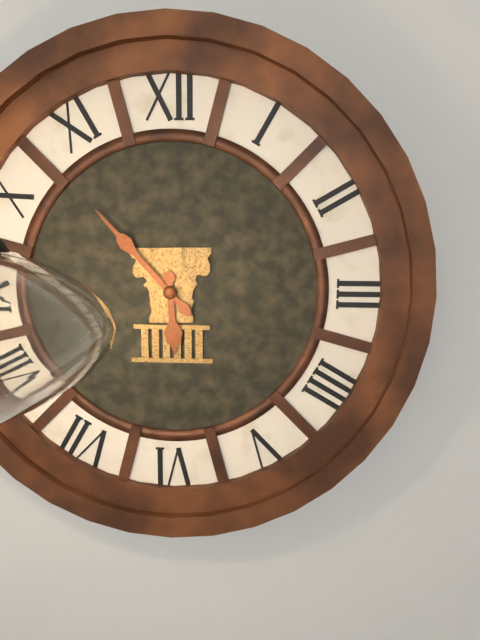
5:53
